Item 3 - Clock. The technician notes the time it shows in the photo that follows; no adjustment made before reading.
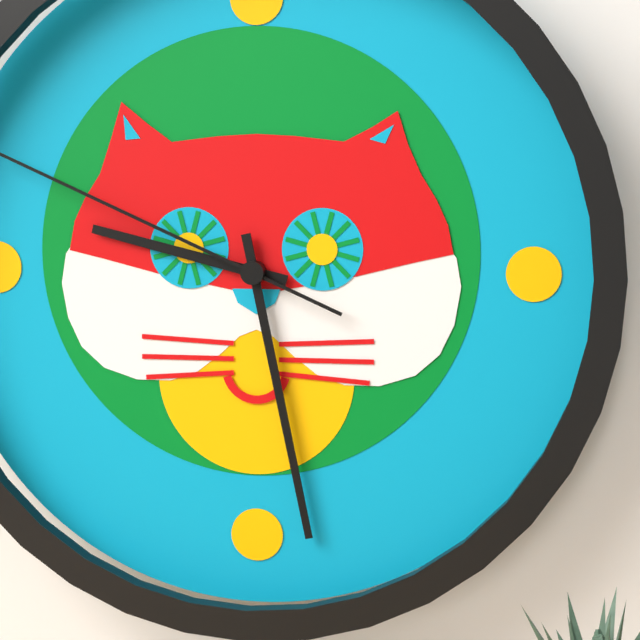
9:28
